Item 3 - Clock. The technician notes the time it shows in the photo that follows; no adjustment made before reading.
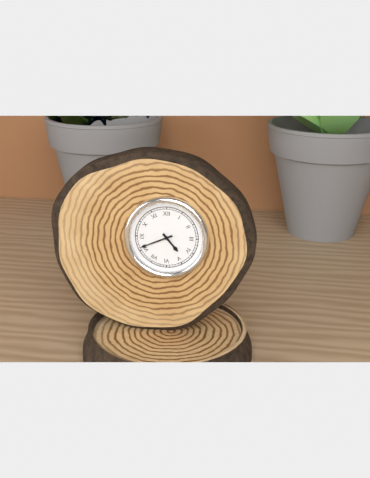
4:41
